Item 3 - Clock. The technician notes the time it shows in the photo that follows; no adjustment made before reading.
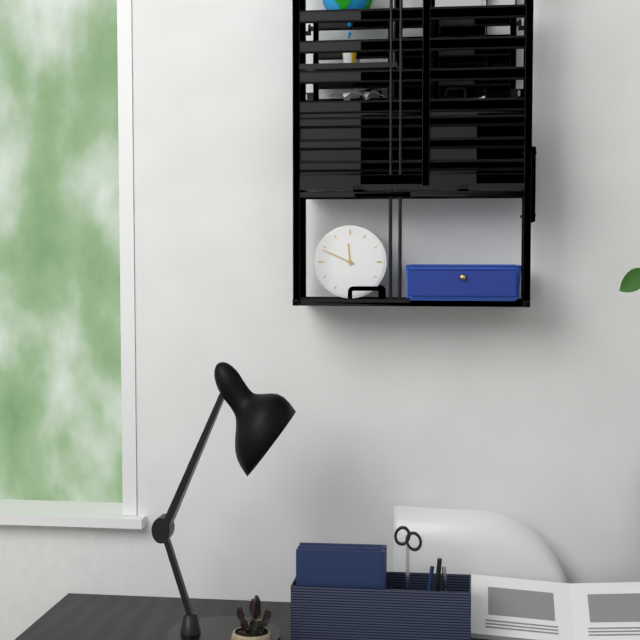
11:49
